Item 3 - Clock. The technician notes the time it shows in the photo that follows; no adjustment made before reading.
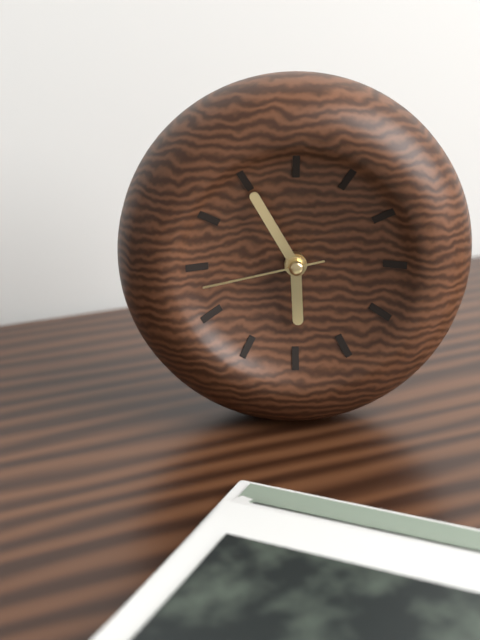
5:55:43
